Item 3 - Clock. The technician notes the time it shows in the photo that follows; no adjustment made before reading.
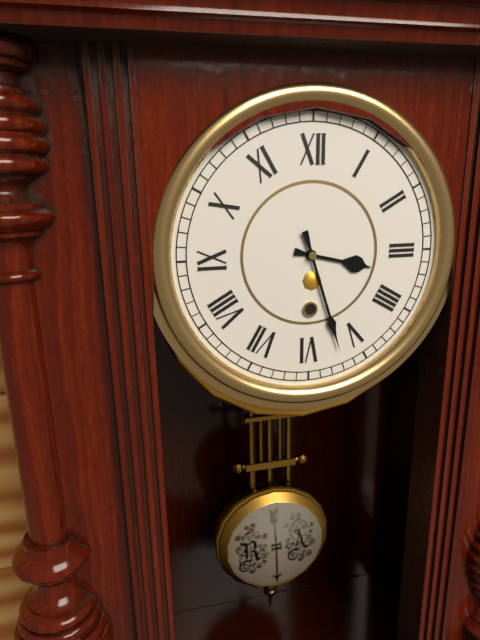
3:27
